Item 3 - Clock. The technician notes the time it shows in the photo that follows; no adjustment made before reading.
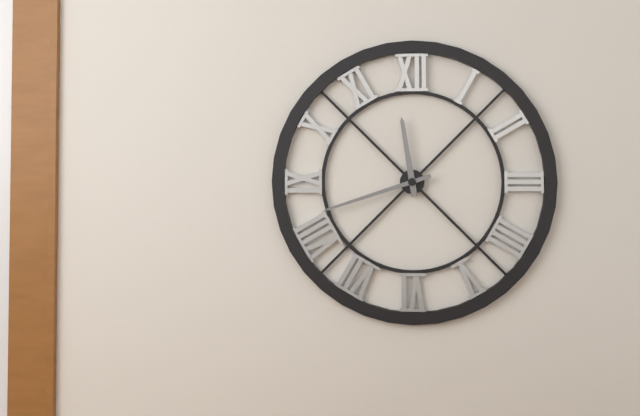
11:42
